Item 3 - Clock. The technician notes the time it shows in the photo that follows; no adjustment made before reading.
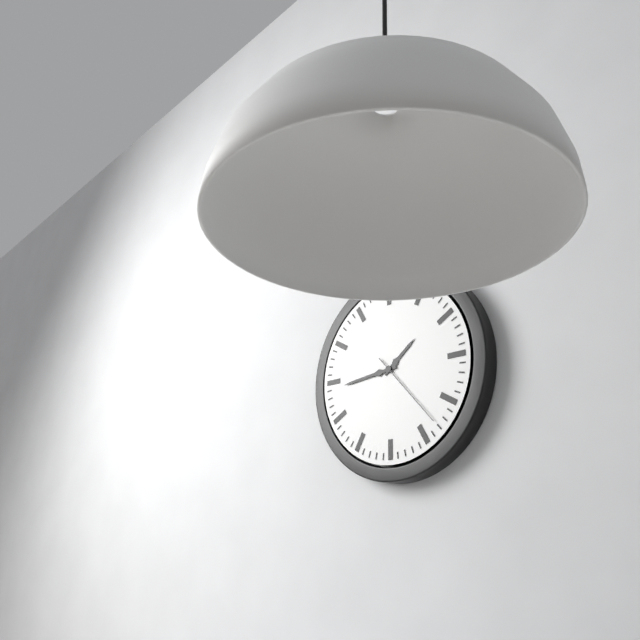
1:44:23
